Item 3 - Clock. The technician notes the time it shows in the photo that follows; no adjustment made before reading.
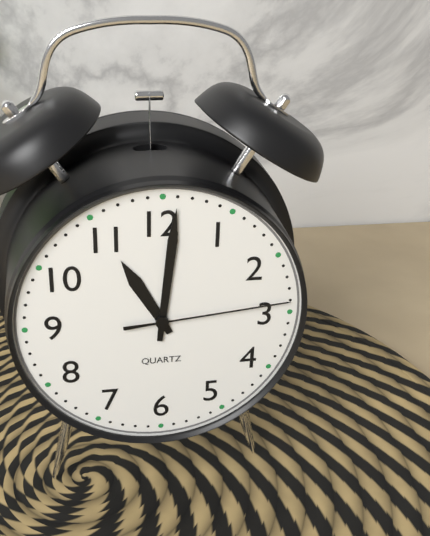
11:01:14
